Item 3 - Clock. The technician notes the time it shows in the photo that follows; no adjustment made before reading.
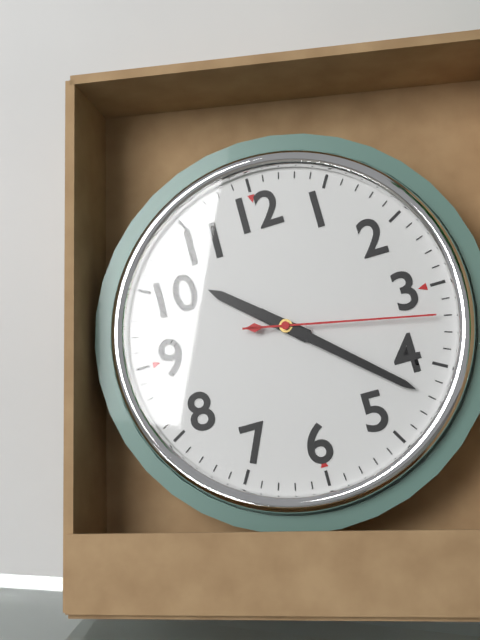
10:22:17
